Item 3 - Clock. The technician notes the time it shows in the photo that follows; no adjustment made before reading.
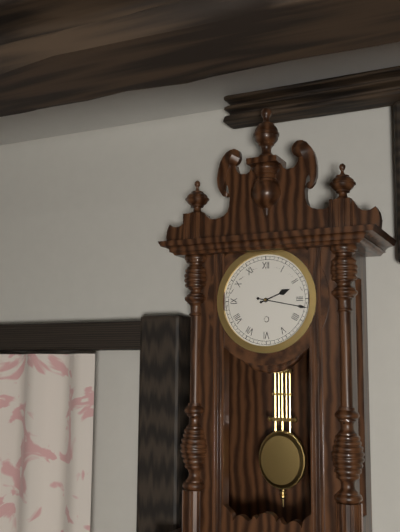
2:17
